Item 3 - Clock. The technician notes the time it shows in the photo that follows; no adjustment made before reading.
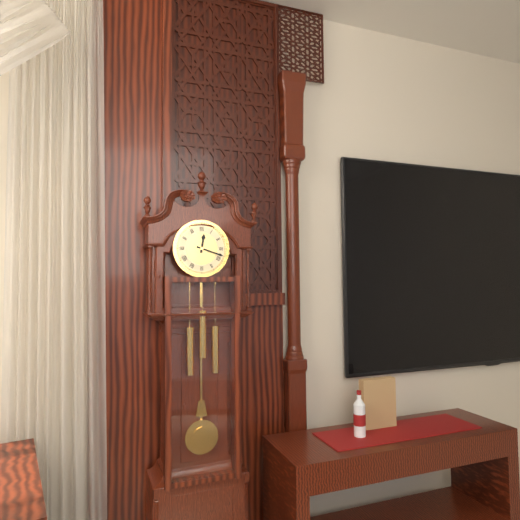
12:18
